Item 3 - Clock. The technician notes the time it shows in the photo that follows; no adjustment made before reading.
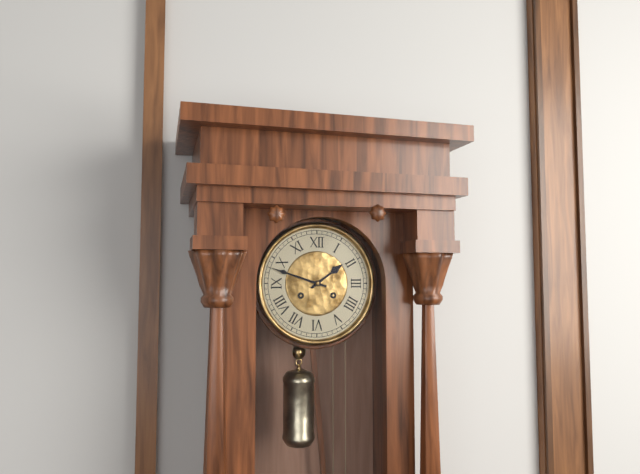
1:48
